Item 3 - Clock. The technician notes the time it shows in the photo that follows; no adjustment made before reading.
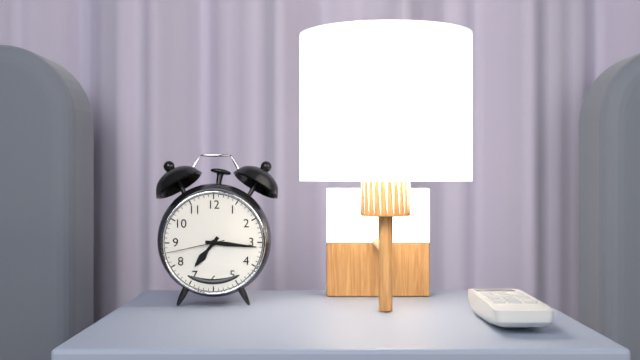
7:16:43
